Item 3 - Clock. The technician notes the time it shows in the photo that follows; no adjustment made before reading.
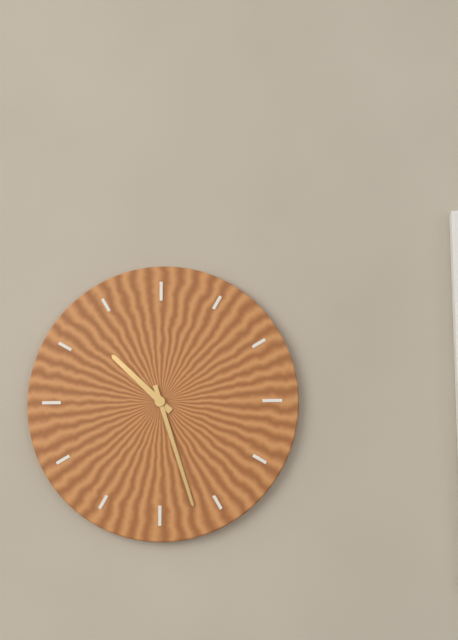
10:27
